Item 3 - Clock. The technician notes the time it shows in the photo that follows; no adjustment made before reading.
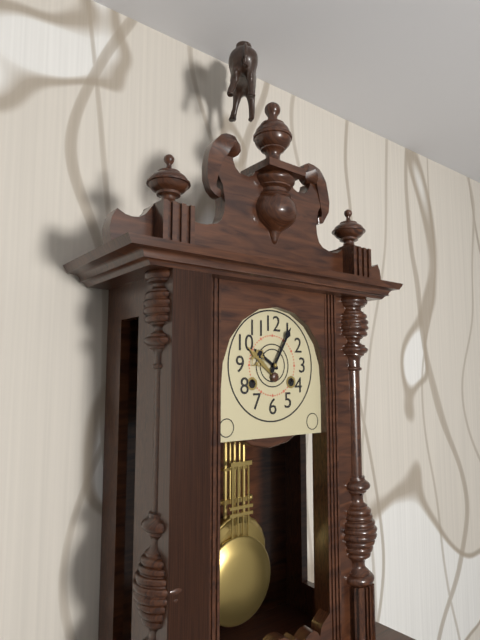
10:05
